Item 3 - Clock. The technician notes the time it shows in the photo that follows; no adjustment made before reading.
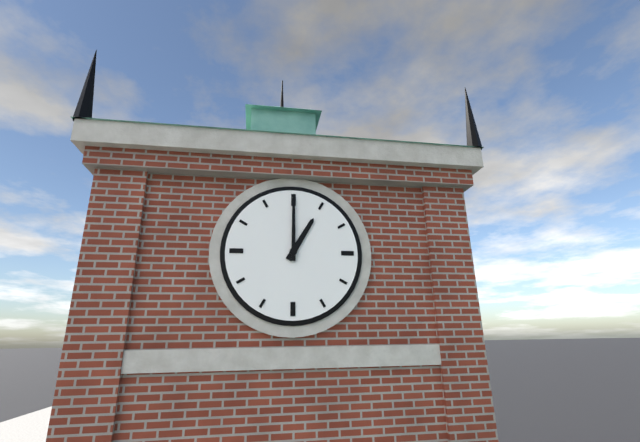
1:00
